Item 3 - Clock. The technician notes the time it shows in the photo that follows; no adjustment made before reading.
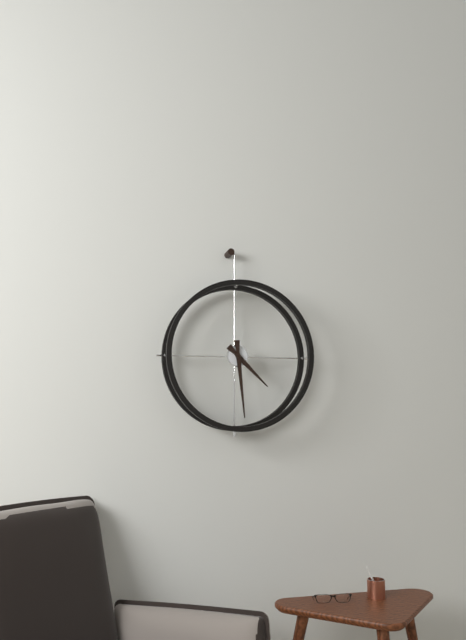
4:29
